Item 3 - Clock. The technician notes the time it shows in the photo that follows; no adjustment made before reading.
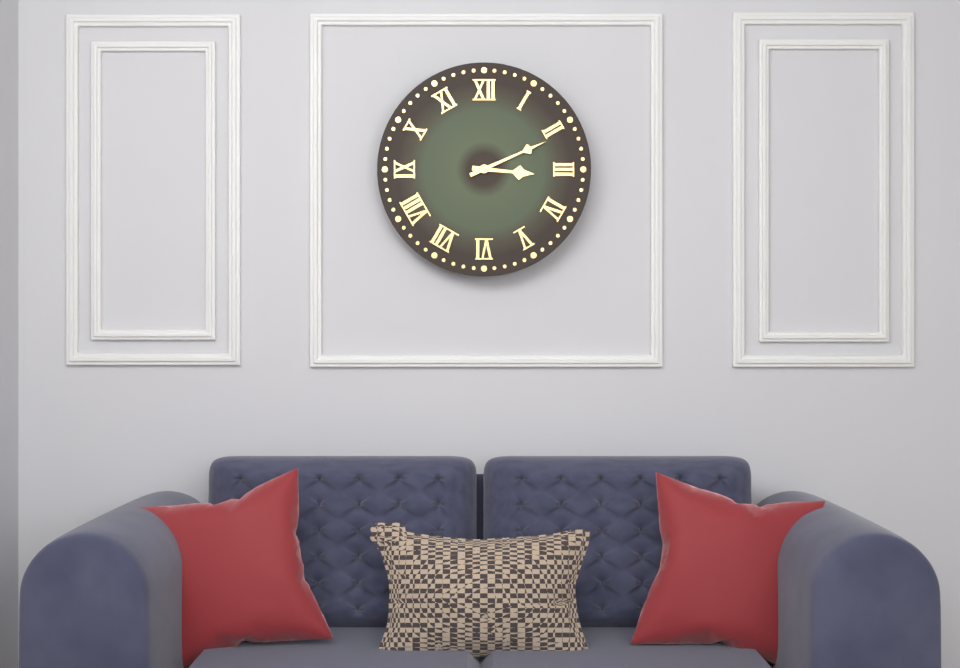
3:11
